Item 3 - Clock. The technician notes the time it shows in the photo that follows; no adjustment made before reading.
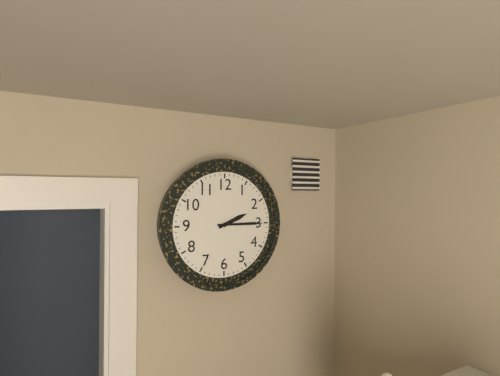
2:15
